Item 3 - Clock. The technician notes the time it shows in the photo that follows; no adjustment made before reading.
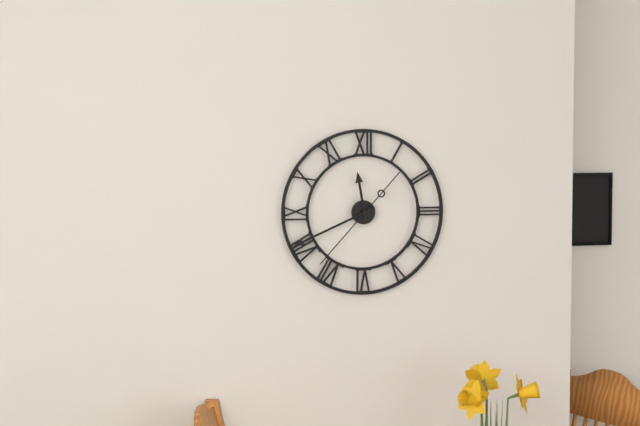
11:41:37
